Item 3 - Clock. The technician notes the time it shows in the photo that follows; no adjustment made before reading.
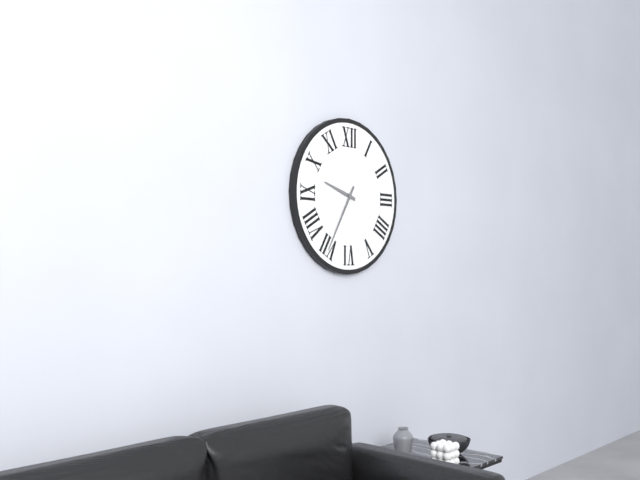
9:35
